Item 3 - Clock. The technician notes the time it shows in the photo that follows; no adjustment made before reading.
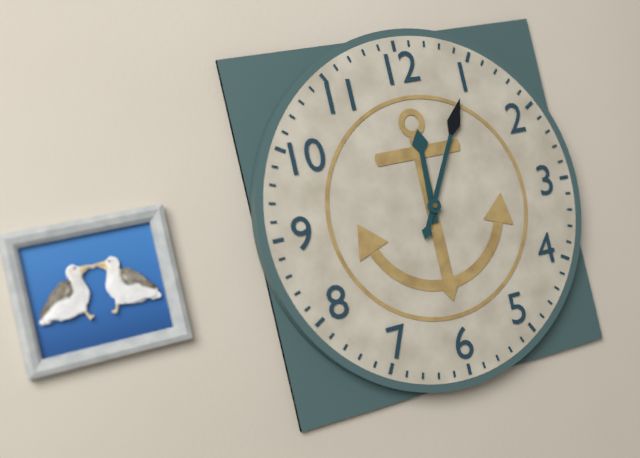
12:05
